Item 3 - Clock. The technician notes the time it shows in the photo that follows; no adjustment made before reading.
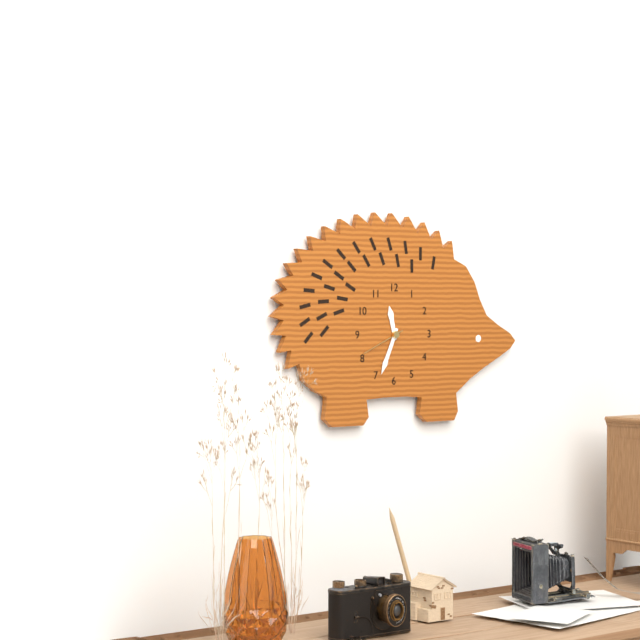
11:34
